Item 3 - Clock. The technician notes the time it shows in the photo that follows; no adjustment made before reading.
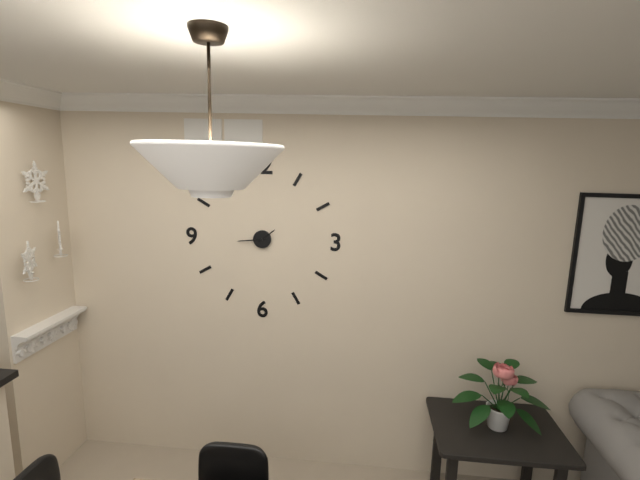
1:44
